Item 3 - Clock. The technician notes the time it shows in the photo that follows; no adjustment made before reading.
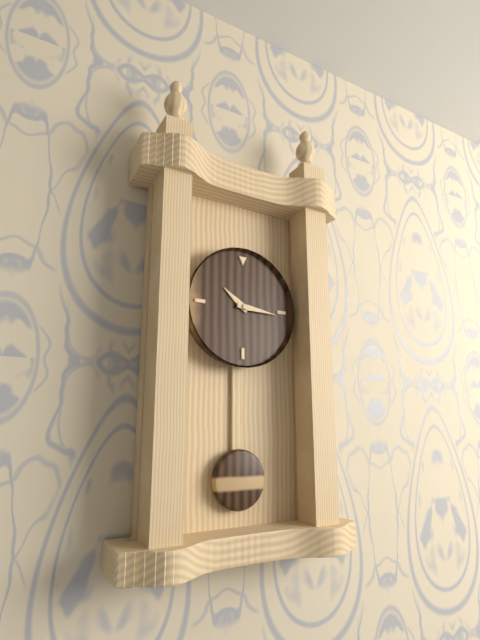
10:16
